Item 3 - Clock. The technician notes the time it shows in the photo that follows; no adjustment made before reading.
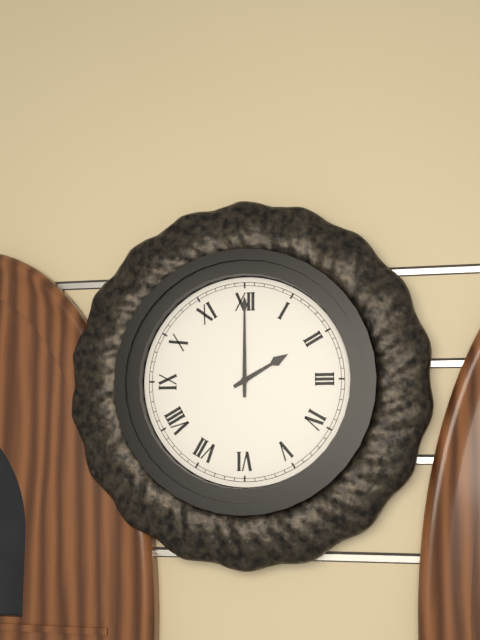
2:00
